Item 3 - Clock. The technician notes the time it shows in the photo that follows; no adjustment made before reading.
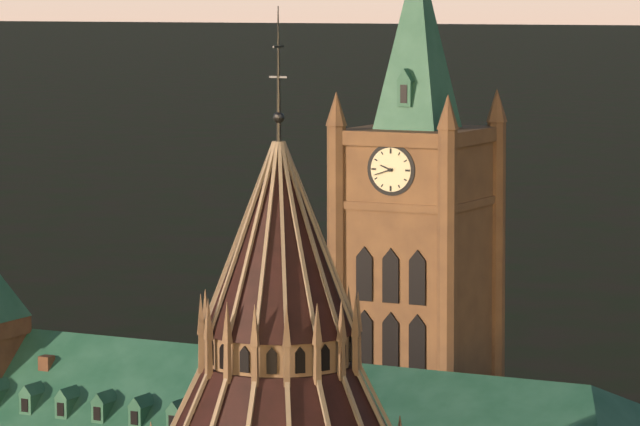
9:42
